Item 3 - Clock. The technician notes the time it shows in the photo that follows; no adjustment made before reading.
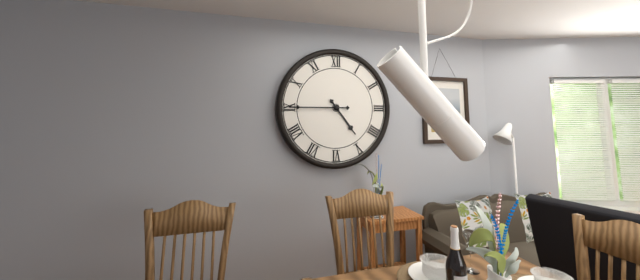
4:45
